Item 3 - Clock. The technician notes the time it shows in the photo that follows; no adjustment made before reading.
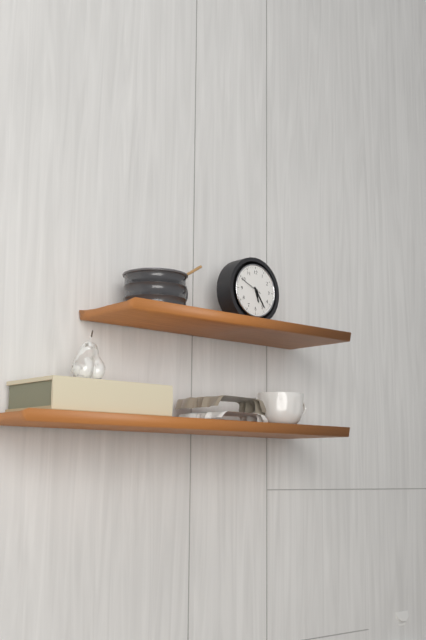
5:24
